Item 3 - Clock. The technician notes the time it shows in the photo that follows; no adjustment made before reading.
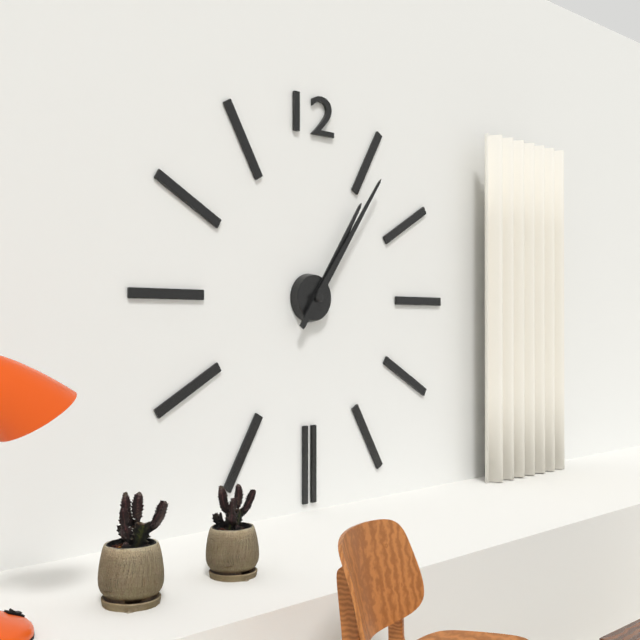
1:06
